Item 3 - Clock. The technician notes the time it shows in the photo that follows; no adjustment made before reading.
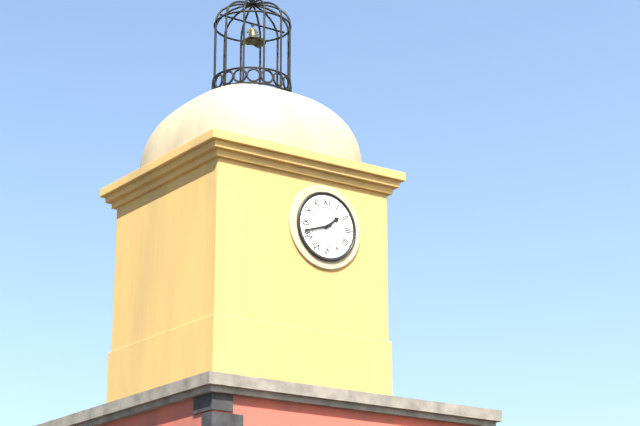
1:42
